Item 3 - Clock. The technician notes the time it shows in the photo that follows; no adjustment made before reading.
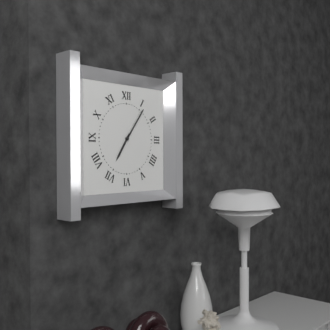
7:06
